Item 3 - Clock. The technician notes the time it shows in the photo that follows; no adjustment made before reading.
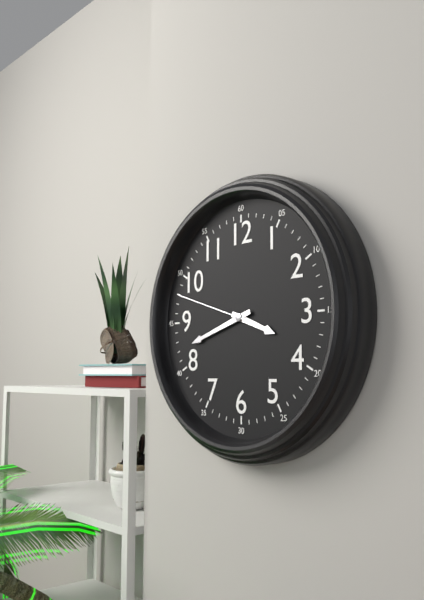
3:42:48
